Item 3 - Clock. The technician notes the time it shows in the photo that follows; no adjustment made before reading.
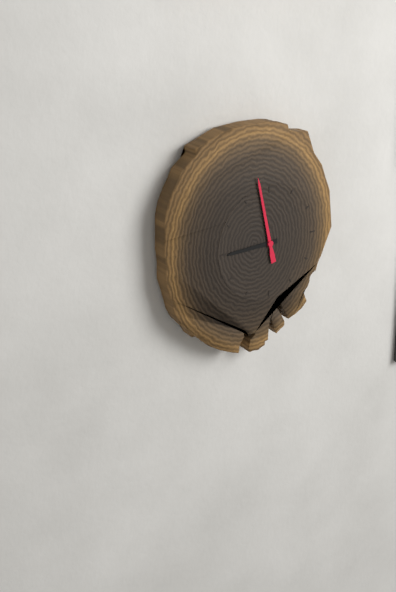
8:58
